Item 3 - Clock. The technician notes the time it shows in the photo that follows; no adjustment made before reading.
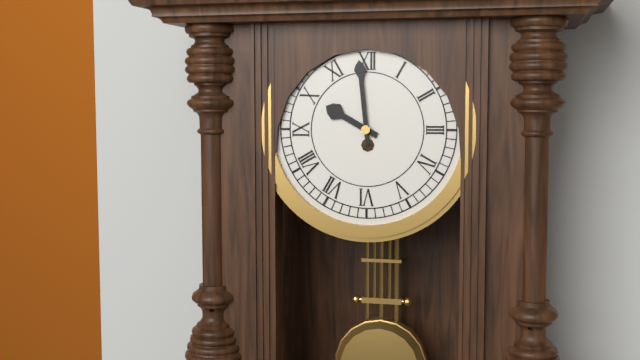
9:59
